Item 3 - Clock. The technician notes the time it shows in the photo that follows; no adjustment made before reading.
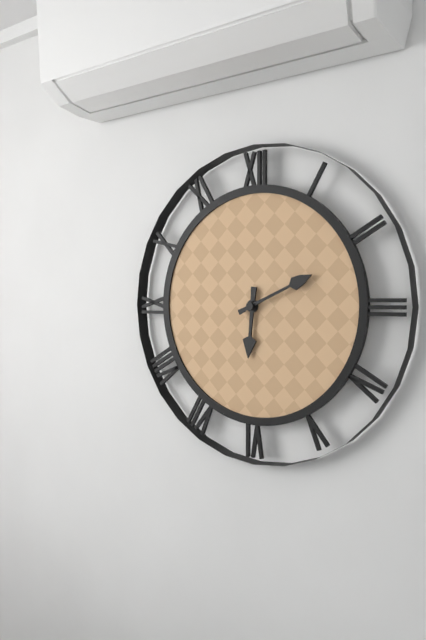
6:11
